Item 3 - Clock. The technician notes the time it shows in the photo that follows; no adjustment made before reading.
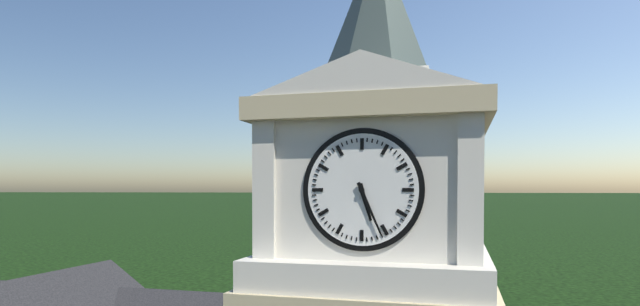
5:26
